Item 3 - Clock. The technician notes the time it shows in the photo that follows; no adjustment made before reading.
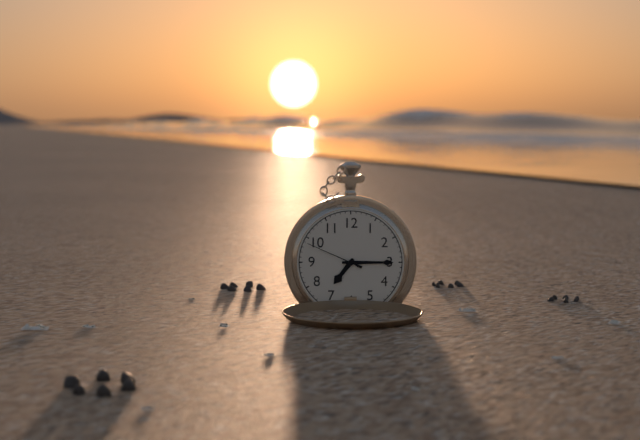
7:15:49
